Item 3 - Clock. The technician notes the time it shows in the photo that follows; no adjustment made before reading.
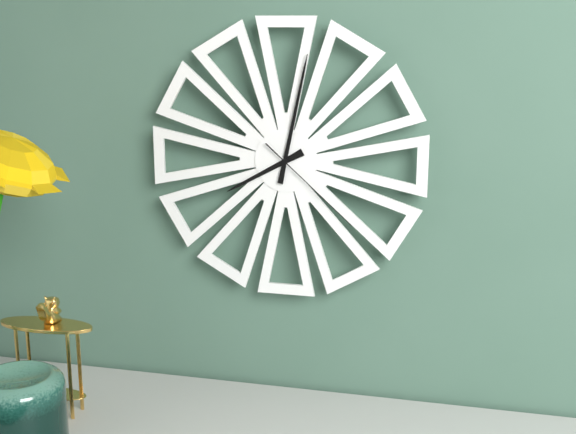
8:02:22
